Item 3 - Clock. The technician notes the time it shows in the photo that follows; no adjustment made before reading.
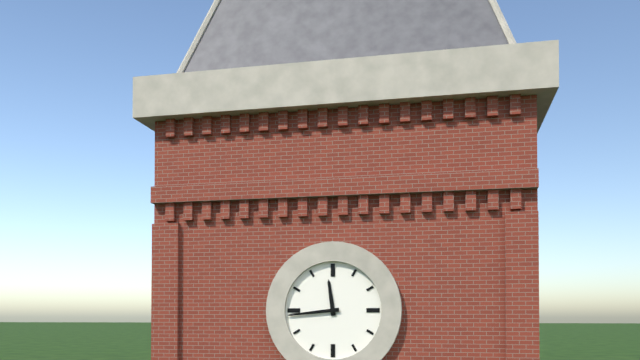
11:44
